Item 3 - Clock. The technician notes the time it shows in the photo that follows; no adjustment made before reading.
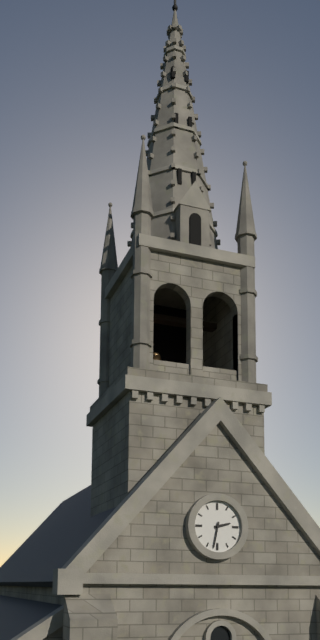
2:32
